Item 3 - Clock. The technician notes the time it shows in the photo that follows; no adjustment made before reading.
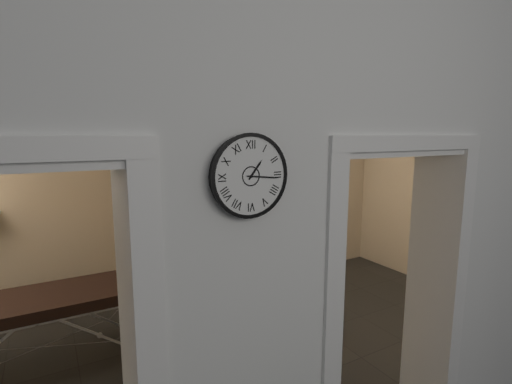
1:16
